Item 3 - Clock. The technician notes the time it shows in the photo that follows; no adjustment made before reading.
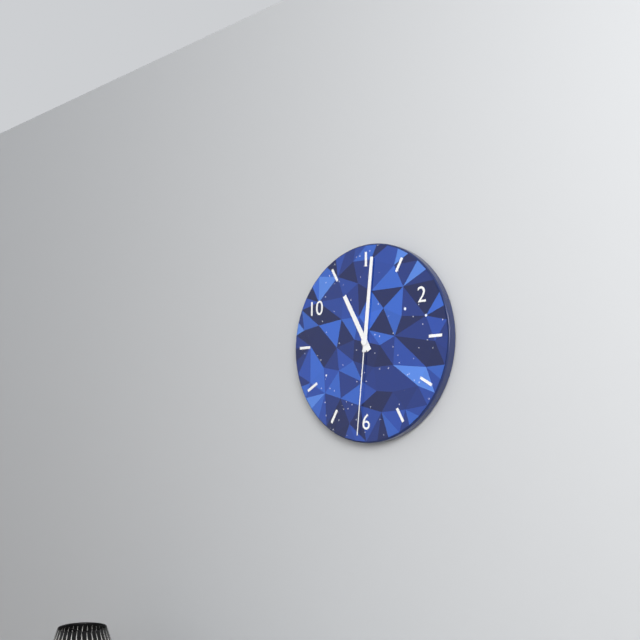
11:01:31
